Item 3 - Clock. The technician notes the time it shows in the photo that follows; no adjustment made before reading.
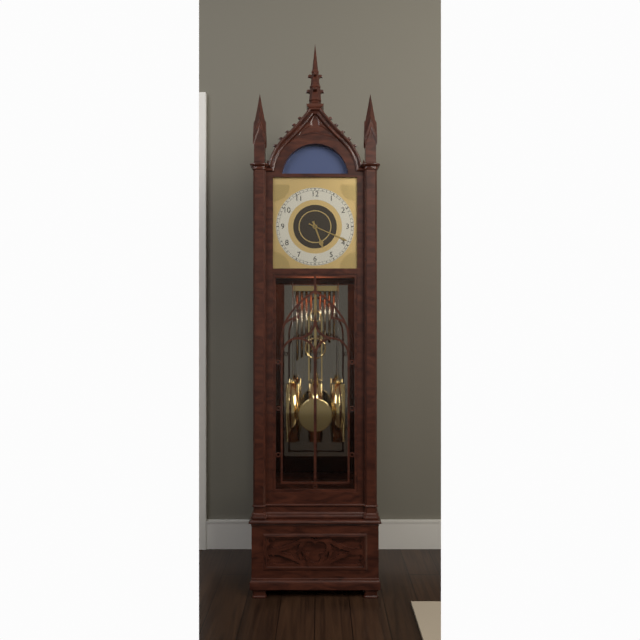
5:19
